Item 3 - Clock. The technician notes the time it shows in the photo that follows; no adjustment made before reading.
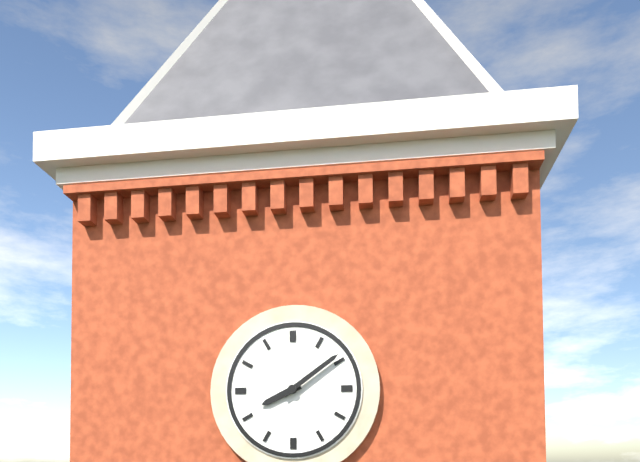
8:09
